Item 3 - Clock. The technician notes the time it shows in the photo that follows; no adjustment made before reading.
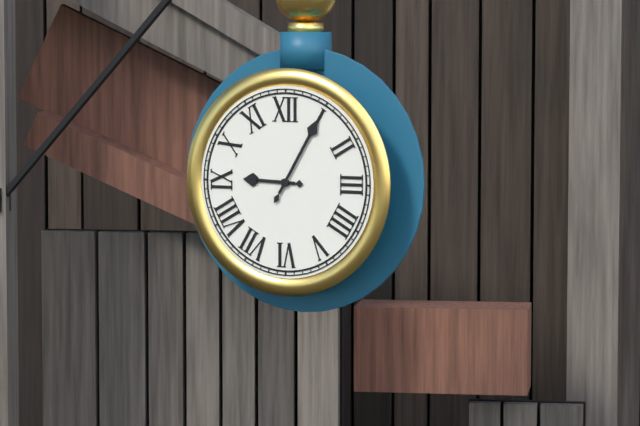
9:05
